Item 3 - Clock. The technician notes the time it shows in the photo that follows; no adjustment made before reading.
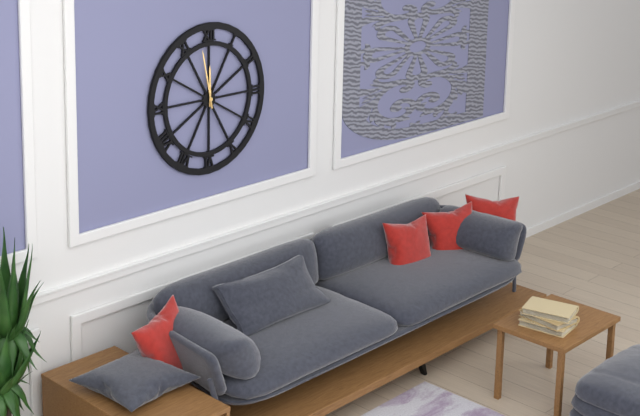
11:58
